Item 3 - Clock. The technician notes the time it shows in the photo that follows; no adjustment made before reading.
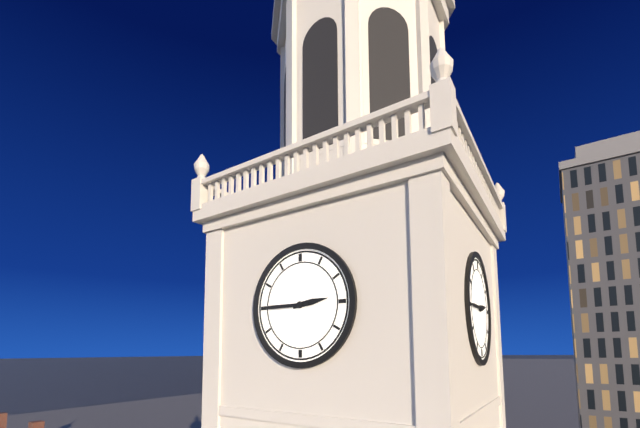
2:45
